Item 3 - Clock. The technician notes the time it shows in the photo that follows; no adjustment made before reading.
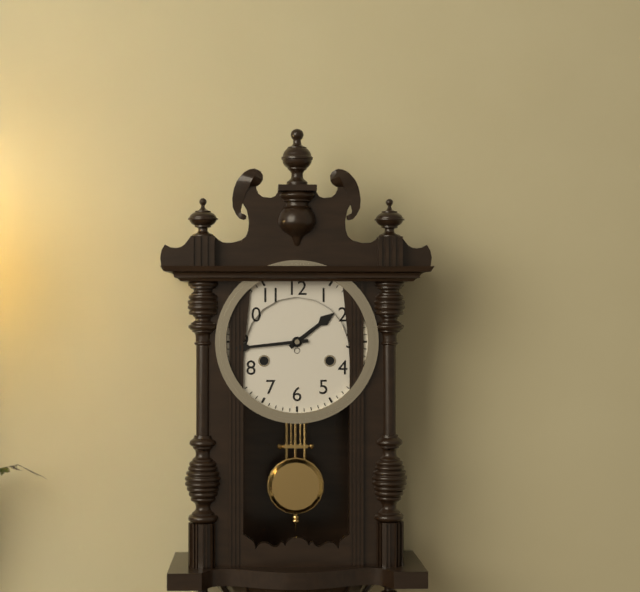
1:44
